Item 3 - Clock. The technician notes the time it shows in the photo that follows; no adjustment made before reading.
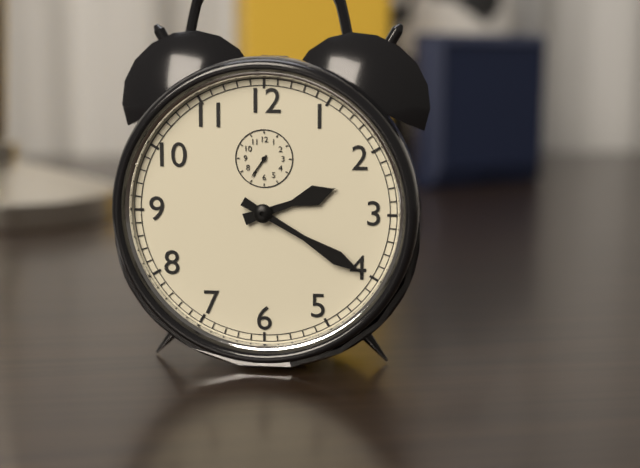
2:20
